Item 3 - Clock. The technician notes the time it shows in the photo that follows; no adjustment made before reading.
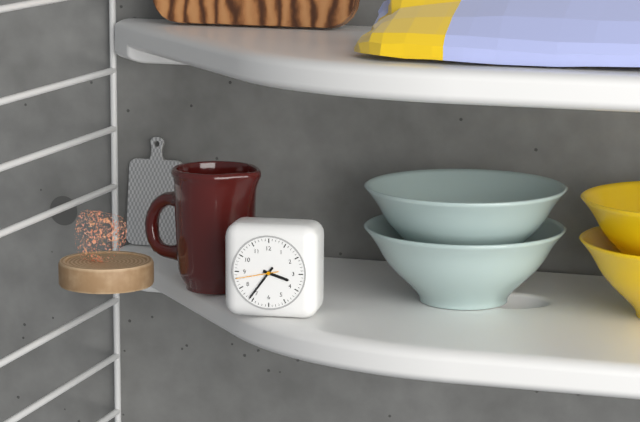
3:36
